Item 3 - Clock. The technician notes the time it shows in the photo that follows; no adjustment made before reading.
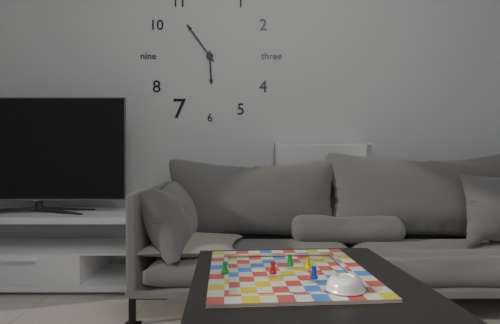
5:54
